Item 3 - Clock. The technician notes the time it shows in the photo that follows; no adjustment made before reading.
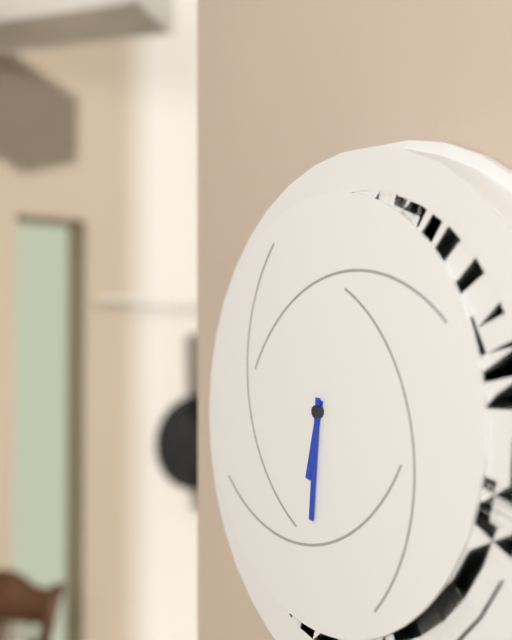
6:31
